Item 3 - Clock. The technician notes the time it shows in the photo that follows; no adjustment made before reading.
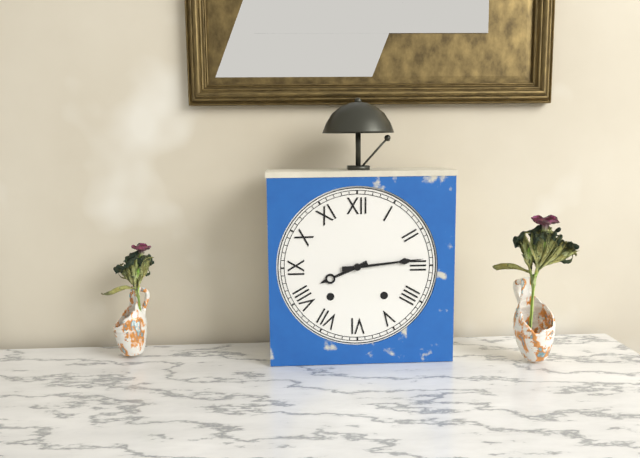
8:14
